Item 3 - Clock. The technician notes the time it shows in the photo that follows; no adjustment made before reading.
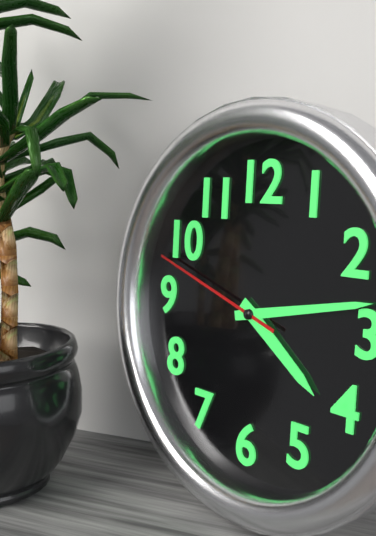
4:13:48
